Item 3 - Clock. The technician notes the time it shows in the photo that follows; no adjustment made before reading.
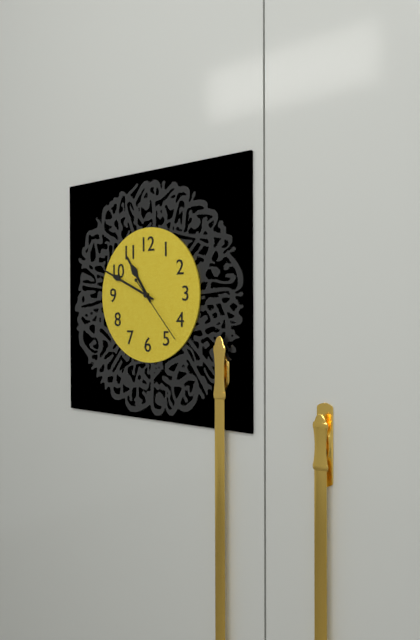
10:49:23
